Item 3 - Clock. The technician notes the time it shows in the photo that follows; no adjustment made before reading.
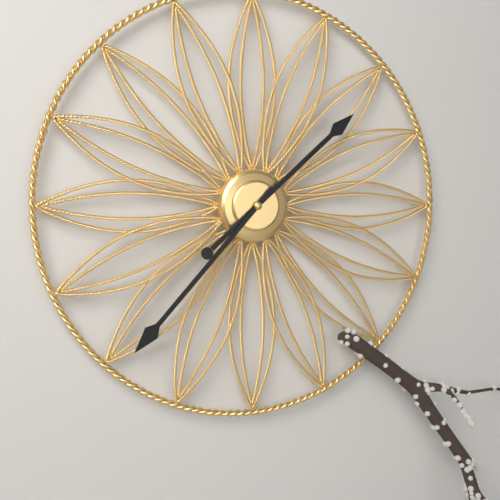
1:37
